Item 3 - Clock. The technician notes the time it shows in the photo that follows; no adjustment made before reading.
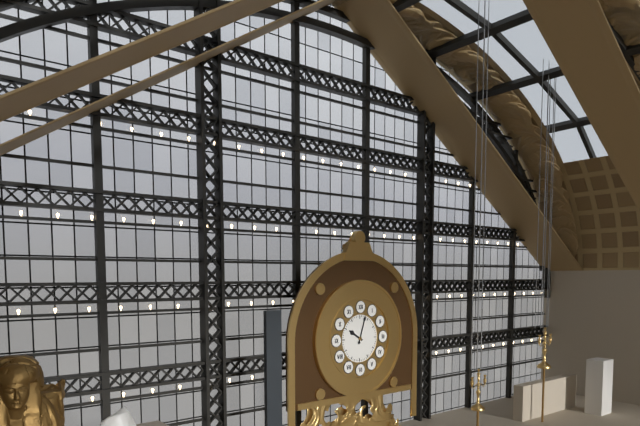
10:03
